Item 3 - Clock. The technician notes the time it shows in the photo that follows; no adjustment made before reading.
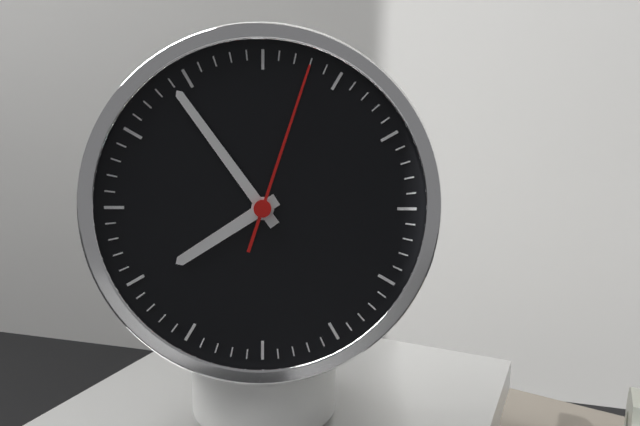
7:54:03
